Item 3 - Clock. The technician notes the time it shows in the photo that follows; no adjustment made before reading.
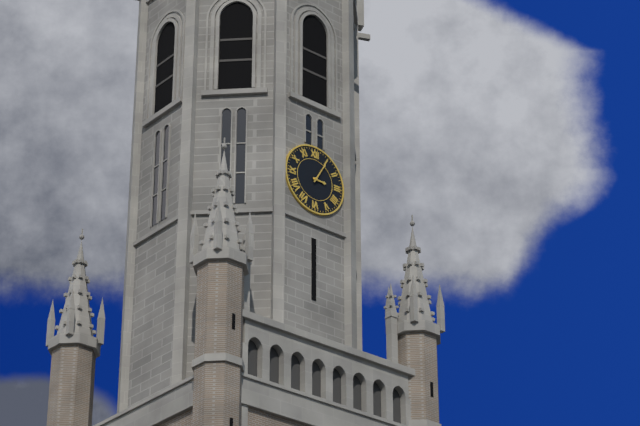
3:05
